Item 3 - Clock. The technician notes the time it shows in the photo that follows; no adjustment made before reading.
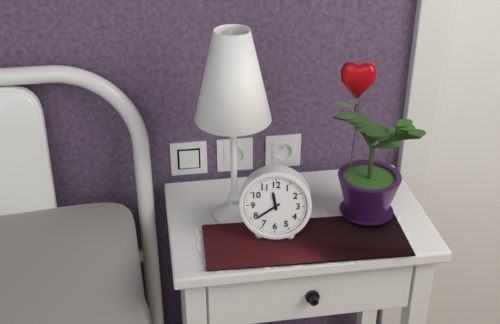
11:39
